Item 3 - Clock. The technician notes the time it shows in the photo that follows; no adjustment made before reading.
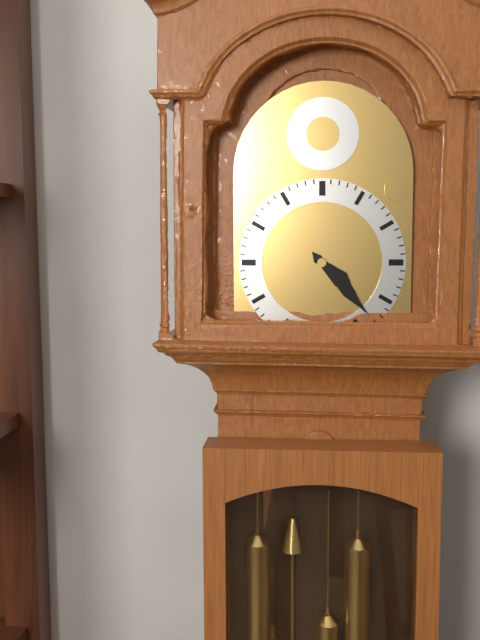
4:23
